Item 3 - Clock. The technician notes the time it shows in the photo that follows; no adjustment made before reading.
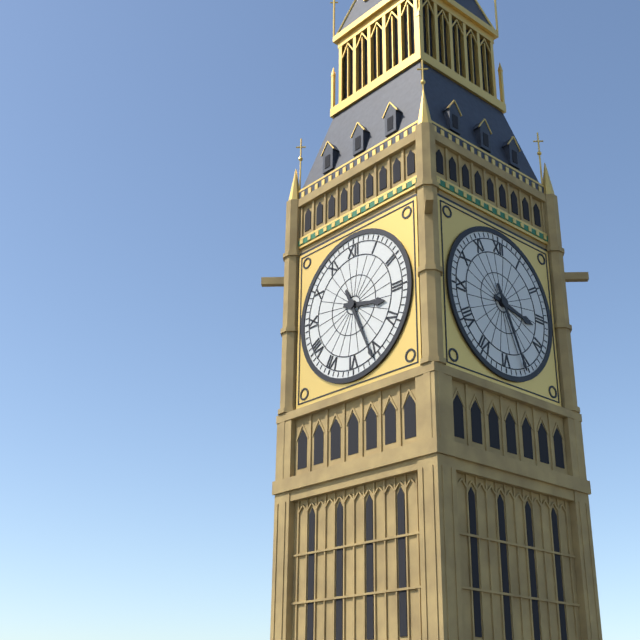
3:26
